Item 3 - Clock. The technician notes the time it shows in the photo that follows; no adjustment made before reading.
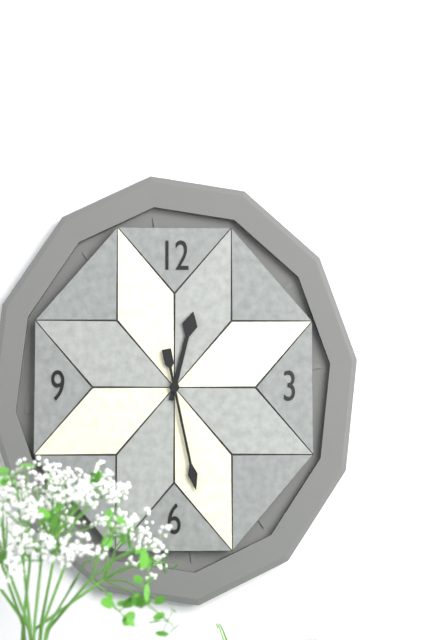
12:28
